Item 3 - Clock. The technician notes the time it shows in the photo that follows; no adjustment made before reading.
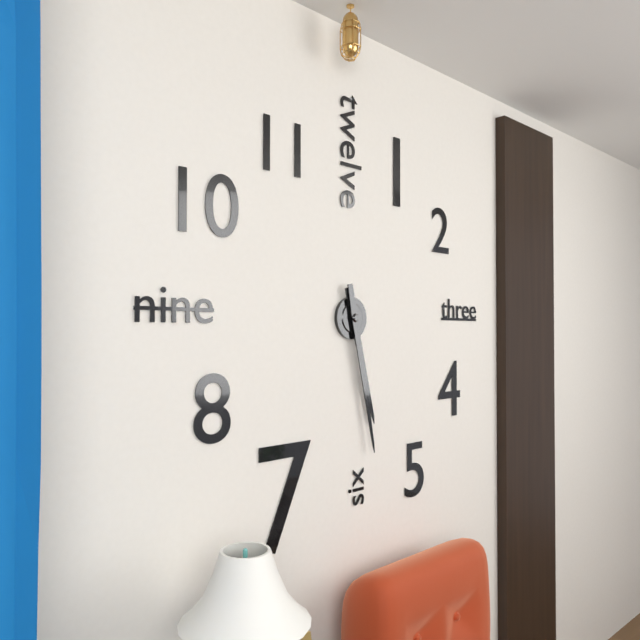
5:28
